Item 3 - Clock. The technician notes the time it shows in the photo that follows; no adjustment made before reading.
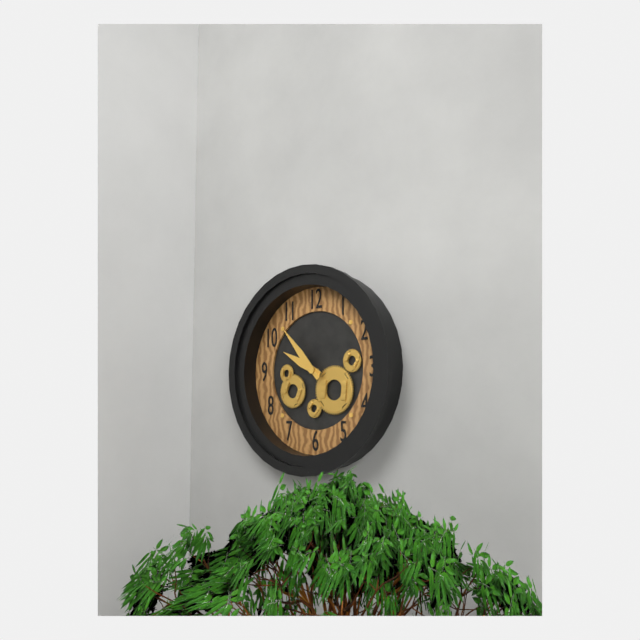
9:53
